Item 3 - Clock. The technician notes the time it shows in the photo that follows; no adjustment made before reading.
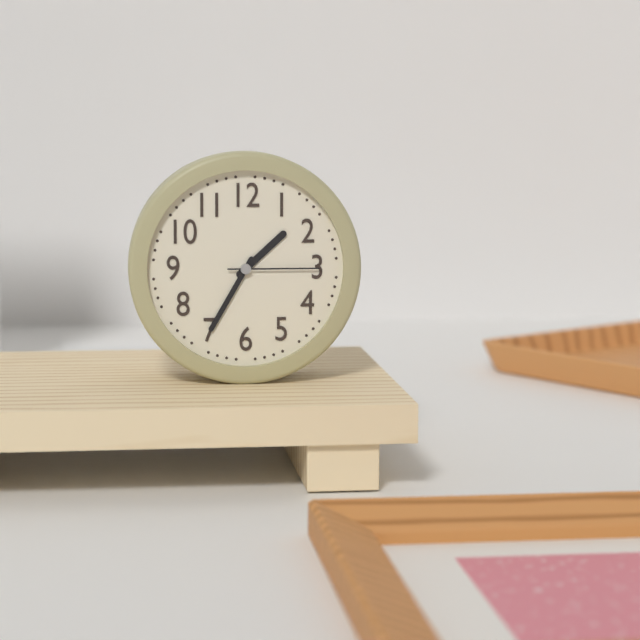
1:35:15
